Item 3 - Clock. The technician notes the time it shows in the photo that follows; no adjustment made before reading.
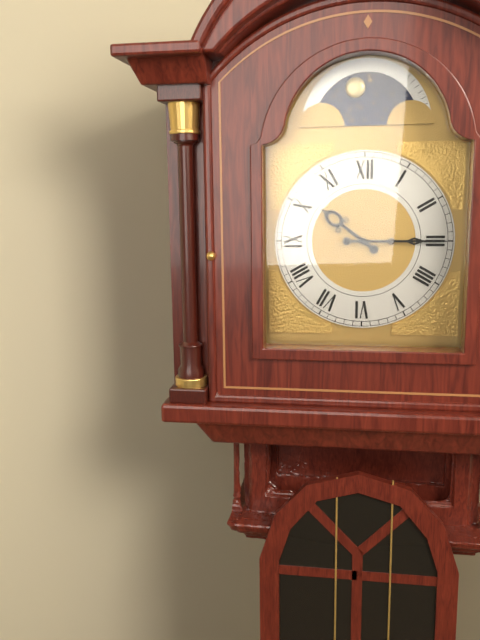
10:15
